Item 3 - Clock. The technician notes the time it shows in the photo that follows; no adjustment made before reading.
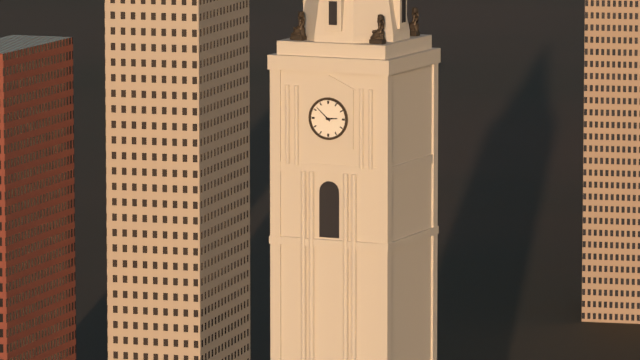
2:52
